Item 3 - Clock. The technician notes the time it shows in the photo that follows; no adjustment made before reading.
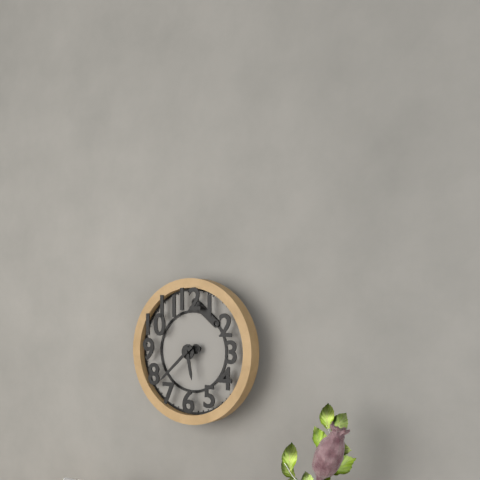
5:38
